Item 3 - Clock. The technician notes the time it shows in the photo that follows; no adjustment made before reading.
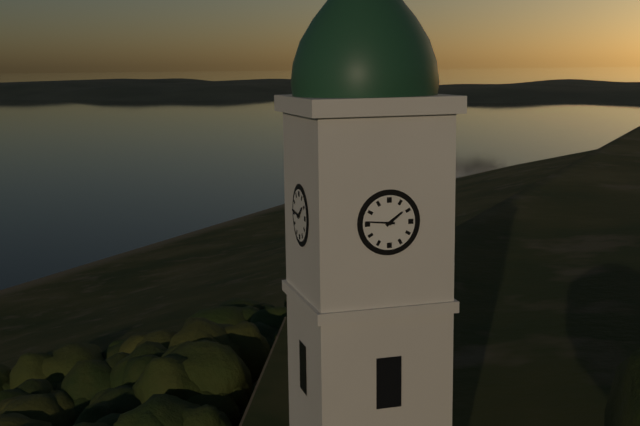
1:46
